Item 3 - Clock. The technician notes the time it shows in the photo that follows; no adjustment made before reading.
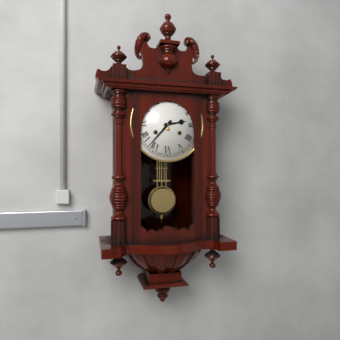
2:37
